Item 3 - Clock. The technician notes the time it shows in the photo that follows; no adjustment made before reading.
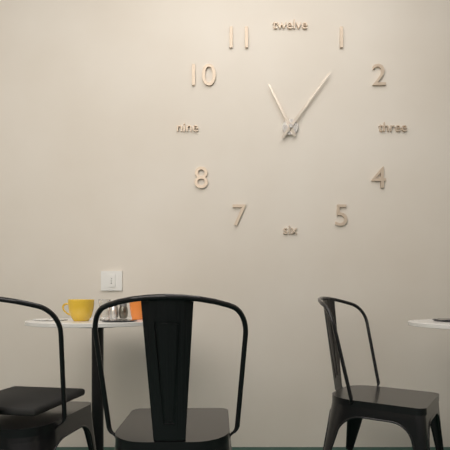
11:06
